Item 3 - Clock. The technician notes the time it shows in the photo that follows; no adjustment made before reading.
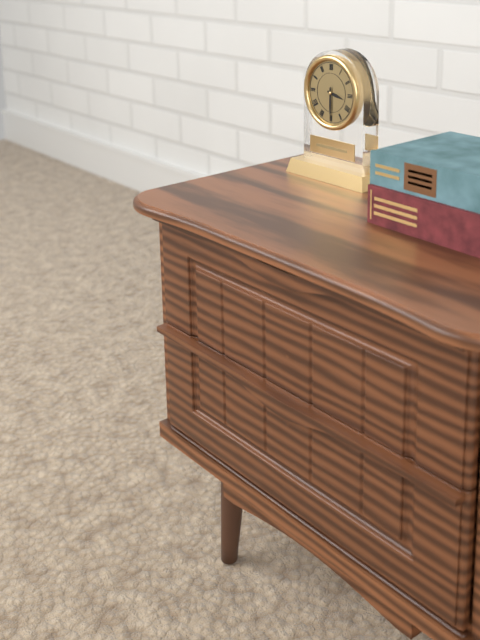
3:30
